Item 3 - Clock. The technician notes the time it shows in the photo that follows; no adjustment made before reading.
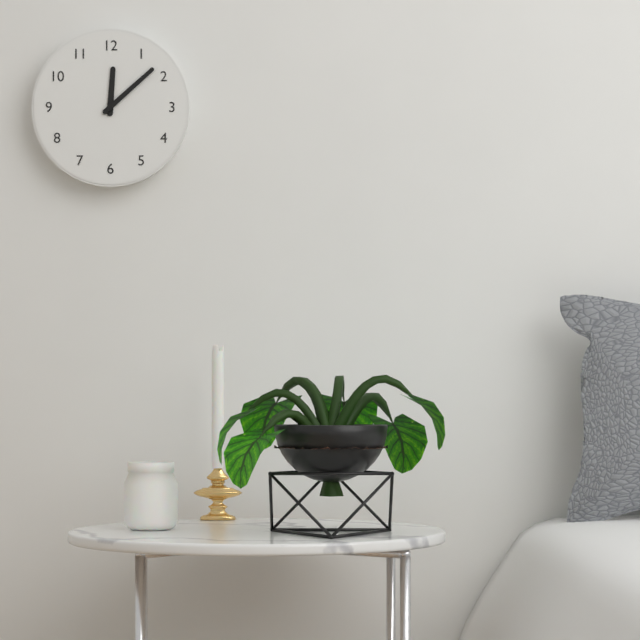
12:08
